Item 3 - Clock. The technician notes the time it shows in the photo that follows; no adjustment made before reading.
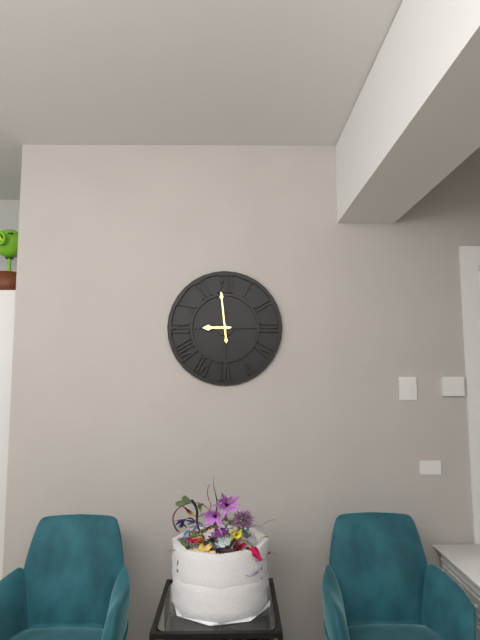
8:59
